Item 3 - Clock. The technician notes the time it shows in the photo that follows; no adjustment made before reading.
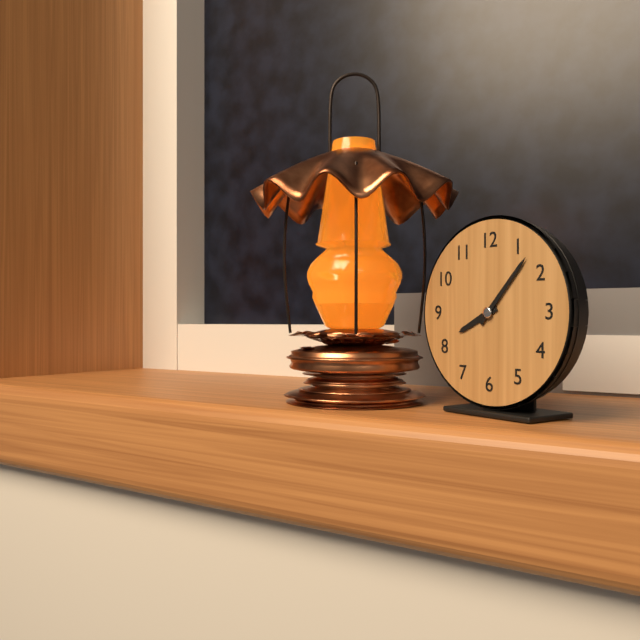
8:07
